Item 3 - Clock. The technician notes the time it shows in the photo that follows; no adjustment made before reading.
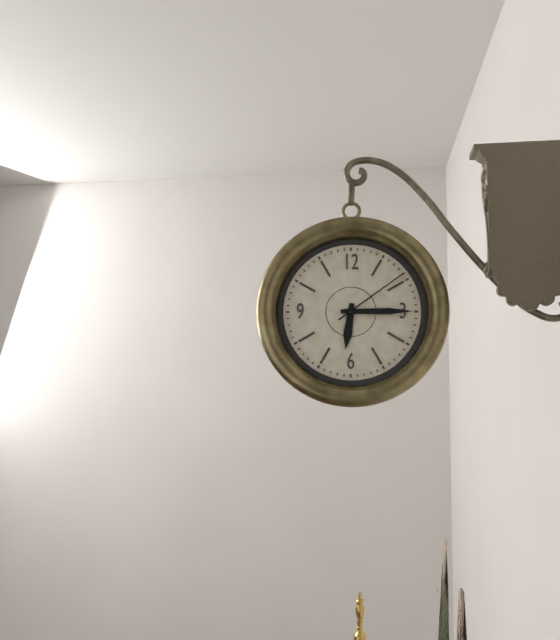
6:15:09
